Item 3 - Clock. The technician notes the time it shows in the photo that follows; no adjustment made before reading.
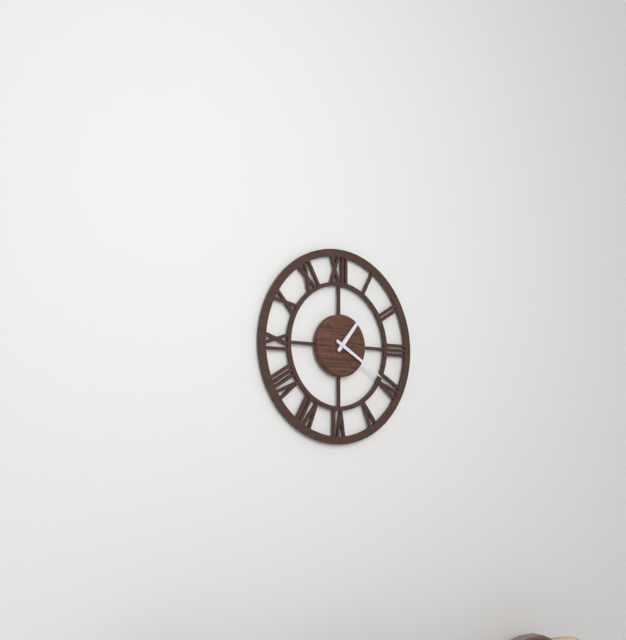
1:20
